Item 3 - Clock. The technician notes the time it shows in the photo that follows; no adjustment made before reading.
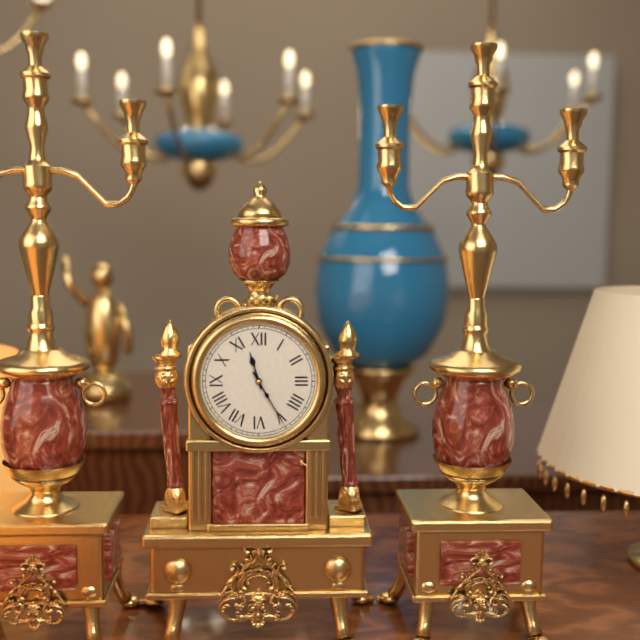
11:25
